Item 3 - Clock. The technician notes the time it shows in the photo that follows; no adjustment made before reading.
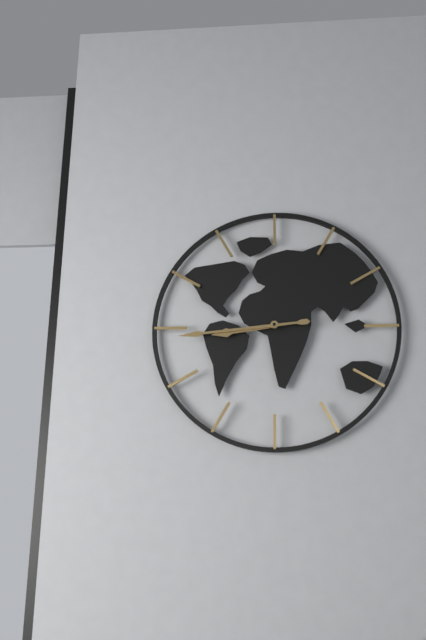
8:44
